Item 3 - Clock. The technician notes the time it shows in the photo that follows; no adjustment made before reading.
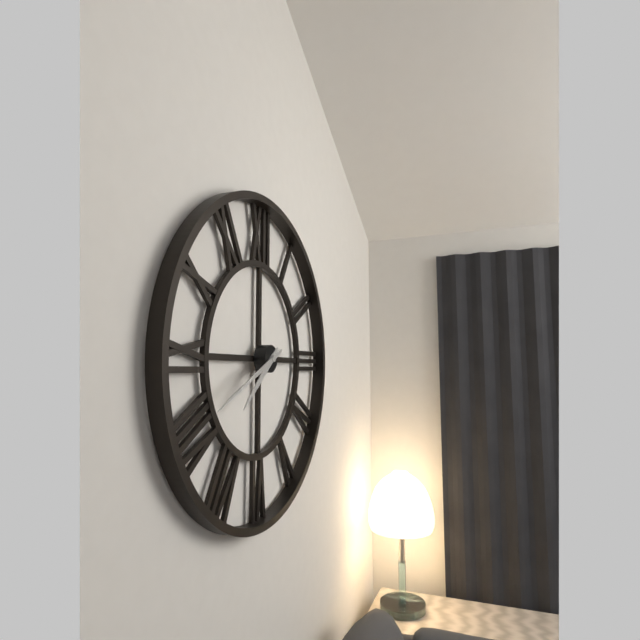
7:41
